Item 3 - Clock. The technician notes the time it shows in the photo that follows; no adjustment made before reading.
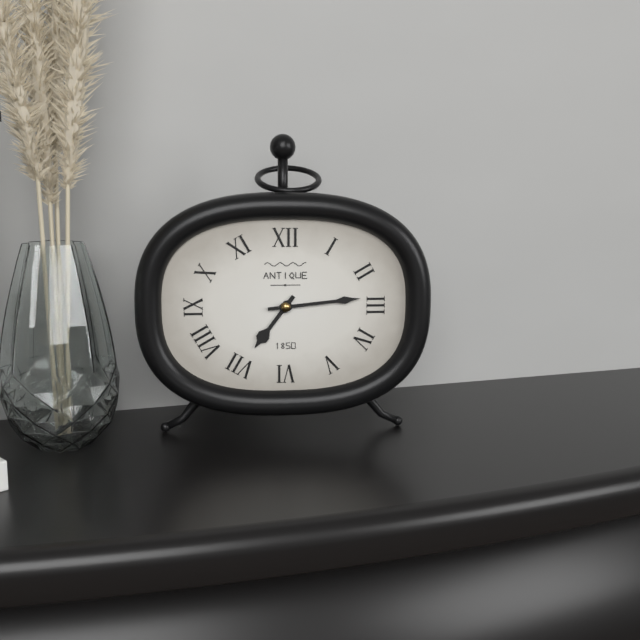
7:14
